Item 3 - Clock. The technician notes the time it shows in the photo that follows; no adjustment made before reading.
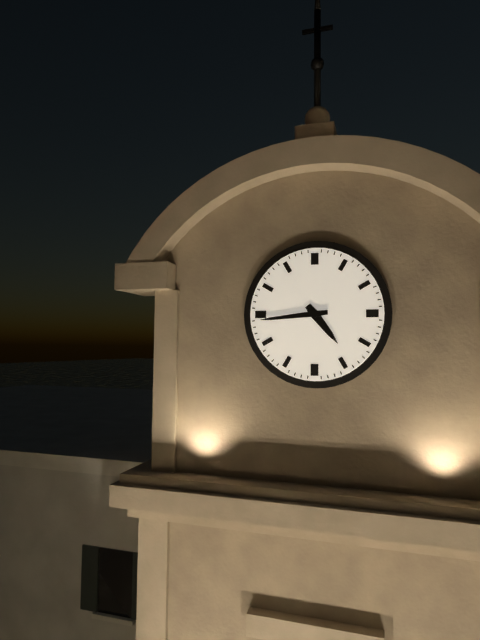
4:44
